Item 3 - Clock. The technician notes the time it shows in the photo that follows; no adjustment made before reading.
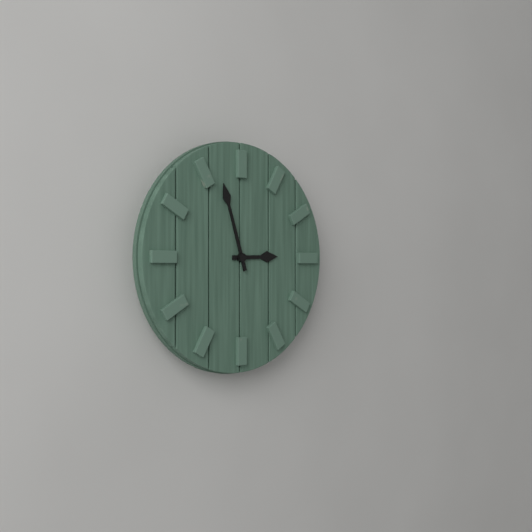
2:57
